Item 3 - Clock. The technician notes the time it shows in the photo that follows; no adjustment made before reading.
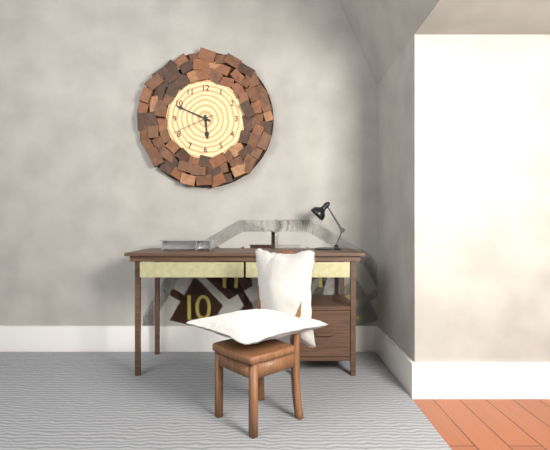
5:49
